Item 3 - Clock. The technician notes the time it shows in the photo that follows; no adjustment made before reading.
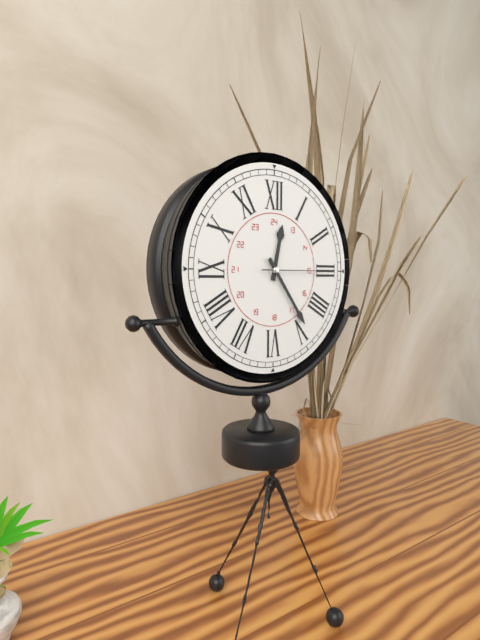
12:24:15
